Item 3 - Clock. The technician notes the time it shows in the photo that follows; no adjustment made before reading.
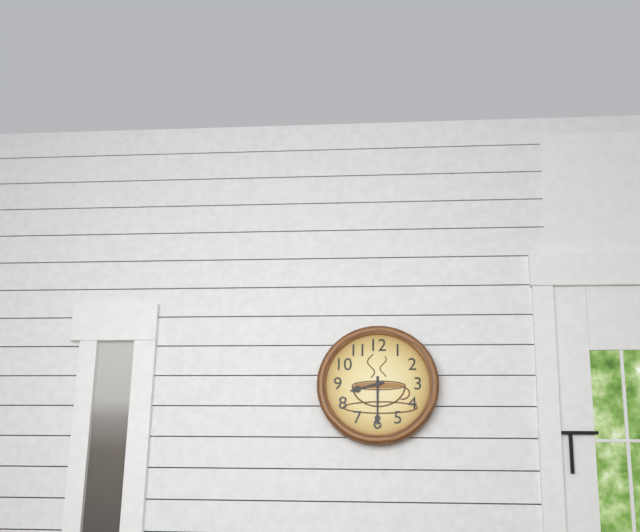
8:30
